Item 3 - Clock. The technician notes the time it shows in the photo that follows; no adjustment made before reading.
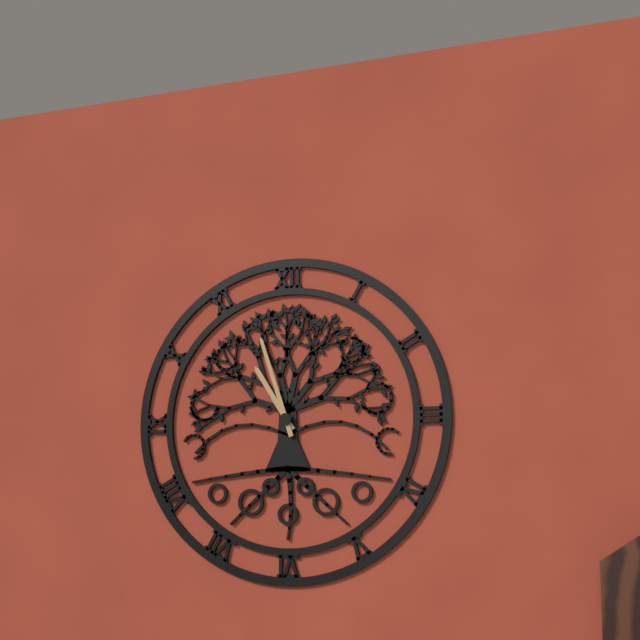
10:57
